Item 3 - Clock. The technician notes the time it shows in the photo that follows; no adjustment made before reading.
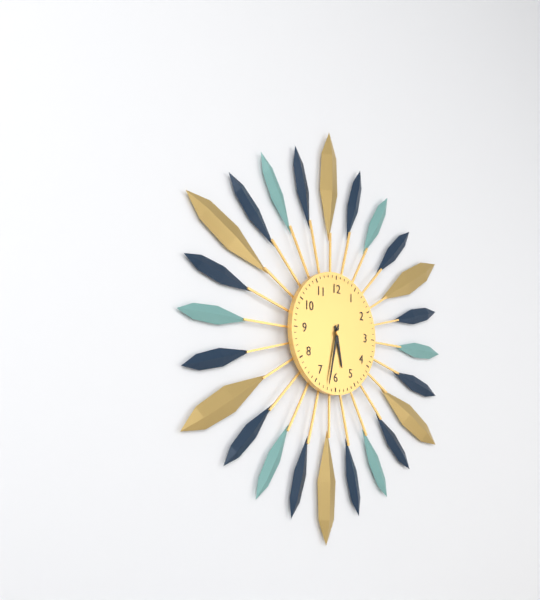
5:32
